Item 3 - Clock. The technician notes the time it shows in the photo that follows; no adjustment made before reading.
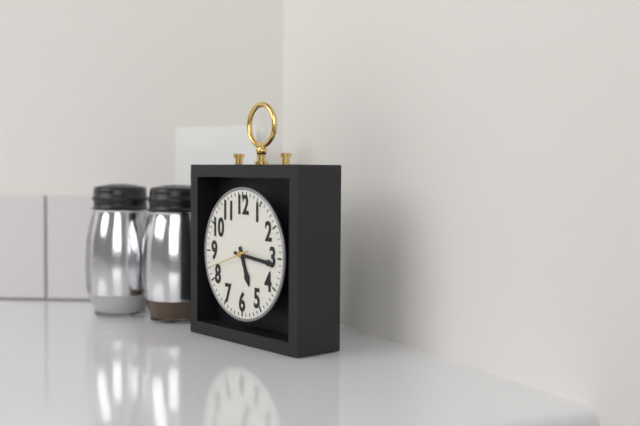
5:16
